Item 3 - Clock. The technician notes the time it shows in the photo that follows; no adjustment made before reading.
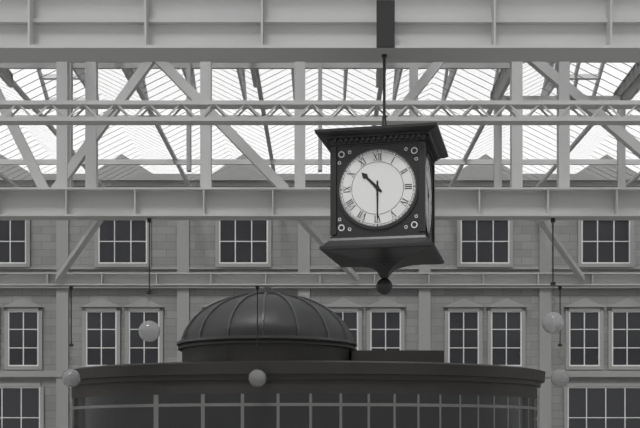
10:30
